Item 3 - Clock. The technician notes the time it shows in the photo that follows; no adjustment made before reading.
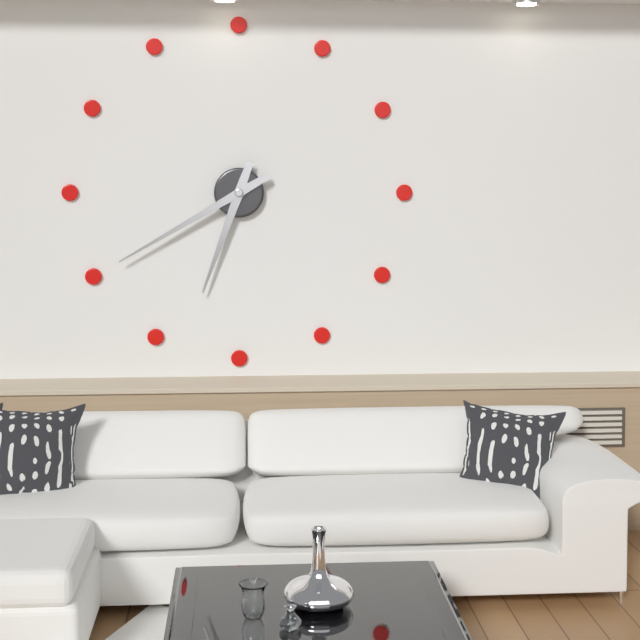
6:40
